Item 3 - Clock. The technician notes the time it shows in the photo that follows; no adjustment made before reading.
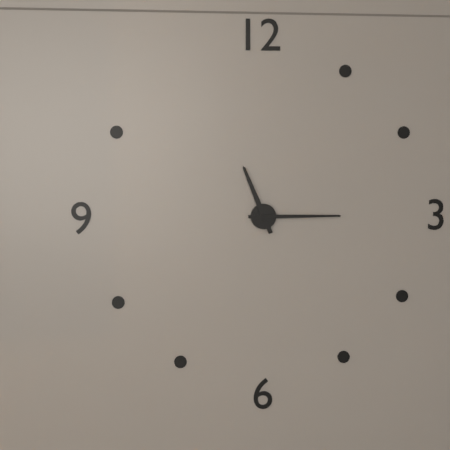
11:15
